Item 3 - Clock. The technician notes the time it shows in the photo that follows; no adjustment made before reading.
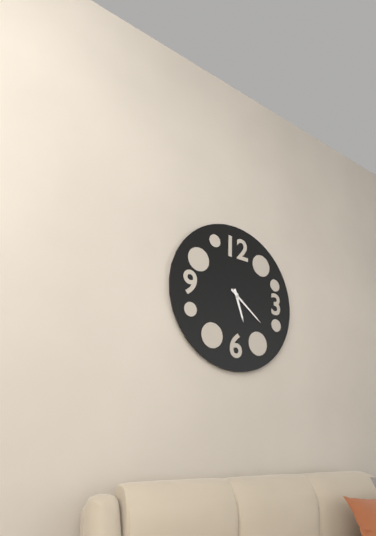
5:21
